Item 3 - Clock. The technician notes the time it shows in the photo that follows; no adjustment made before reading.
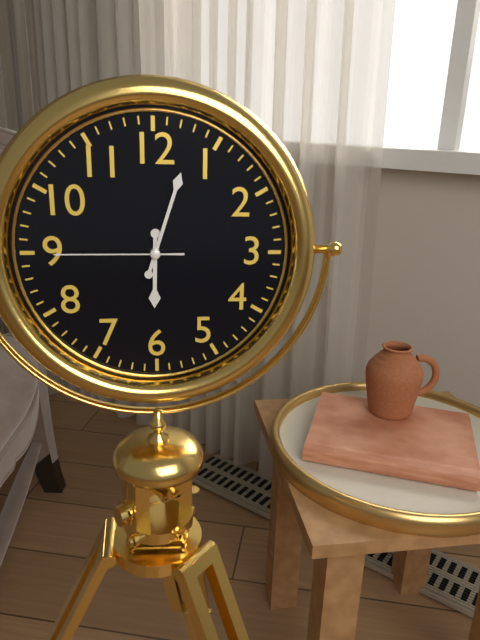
6:03:45
